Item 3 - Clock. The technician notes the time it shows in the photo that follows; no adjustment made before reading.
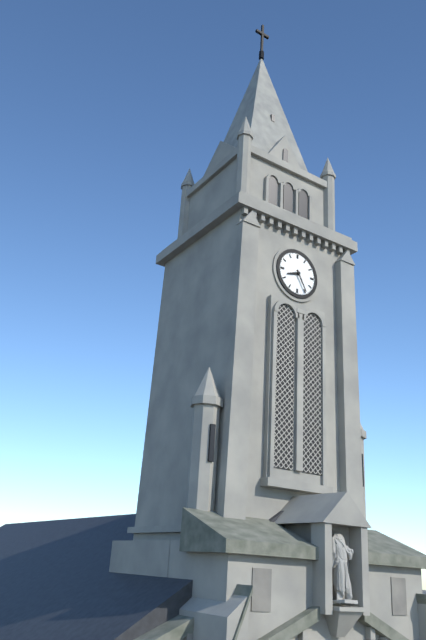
8:25
